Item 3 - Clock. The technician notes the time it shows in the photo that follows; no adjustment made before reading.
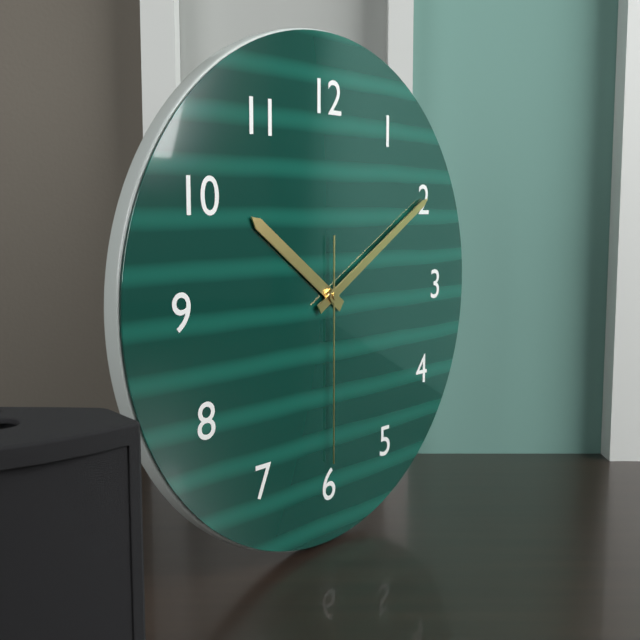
10:10:30
